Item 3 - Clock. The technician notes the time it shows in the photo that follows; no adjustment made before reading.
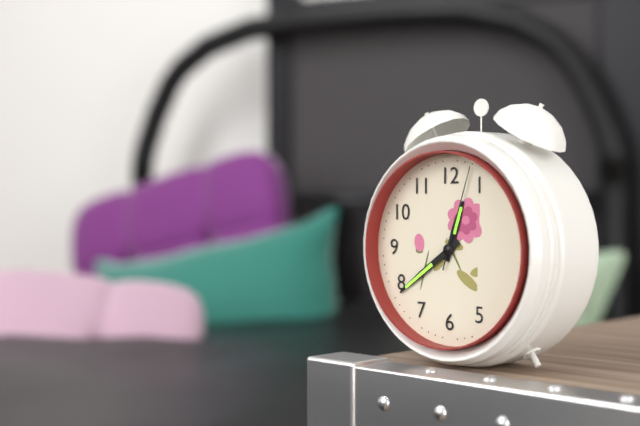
12:39:03
